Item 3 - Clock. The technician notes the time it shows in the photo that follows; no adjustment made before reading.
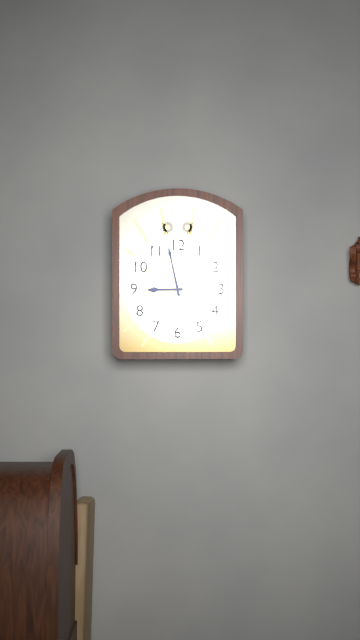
8:58
